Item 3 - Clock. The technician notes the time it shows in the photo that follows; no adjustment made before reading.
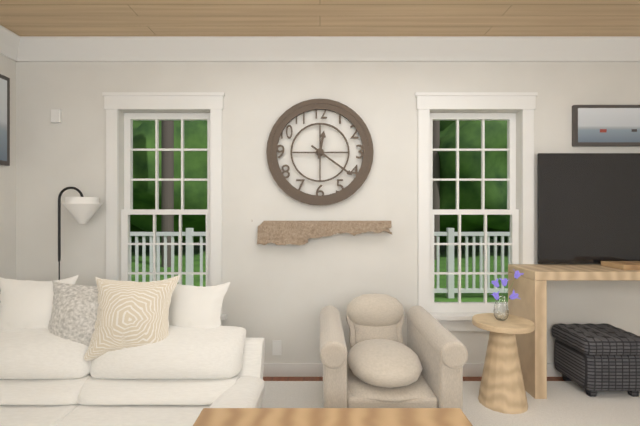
12:21
